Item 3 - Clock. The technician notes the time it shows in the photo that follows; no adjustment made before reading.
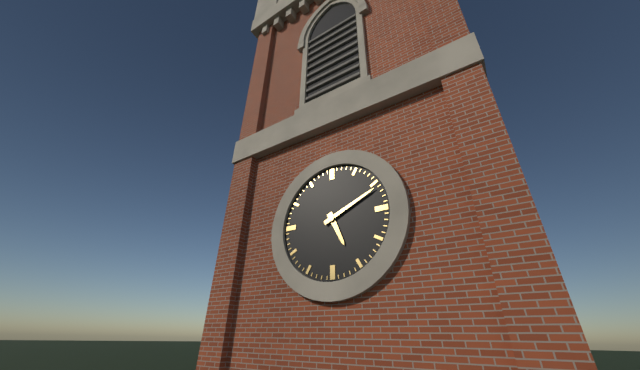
5:11
